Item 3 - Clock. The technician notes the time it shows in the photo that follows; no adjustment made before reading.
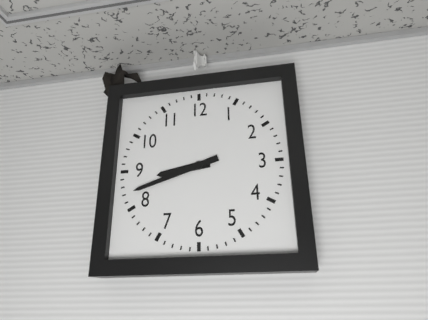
8:42
